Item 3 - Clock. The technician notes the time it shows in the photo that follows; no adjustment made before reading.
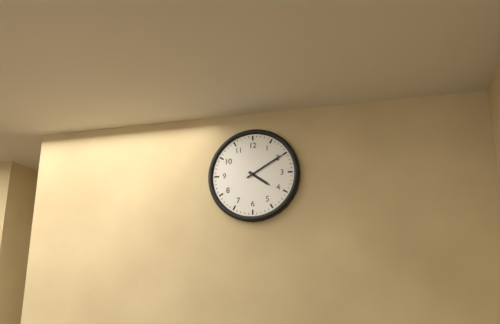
4:10
